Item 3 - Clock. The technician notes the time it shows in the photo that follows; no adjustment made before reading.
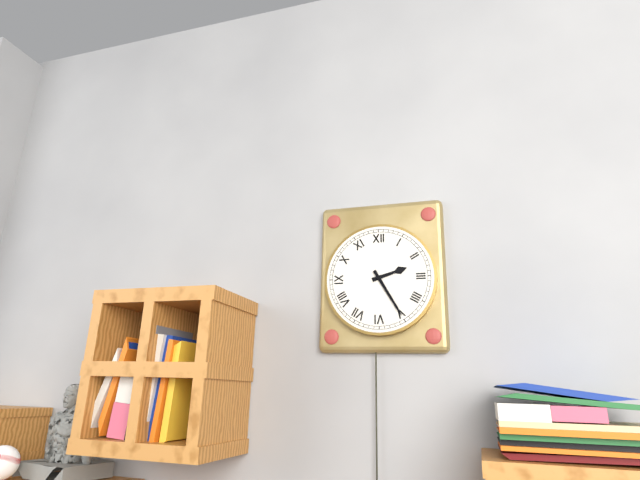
2:25
